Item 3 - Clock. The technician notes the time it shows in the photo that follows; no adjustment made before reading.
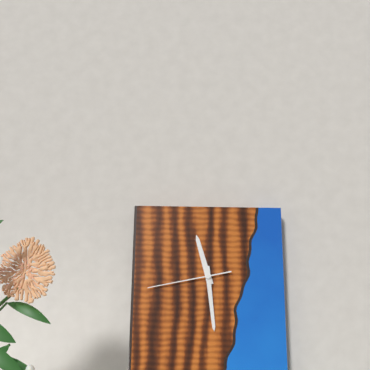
11:29:43
